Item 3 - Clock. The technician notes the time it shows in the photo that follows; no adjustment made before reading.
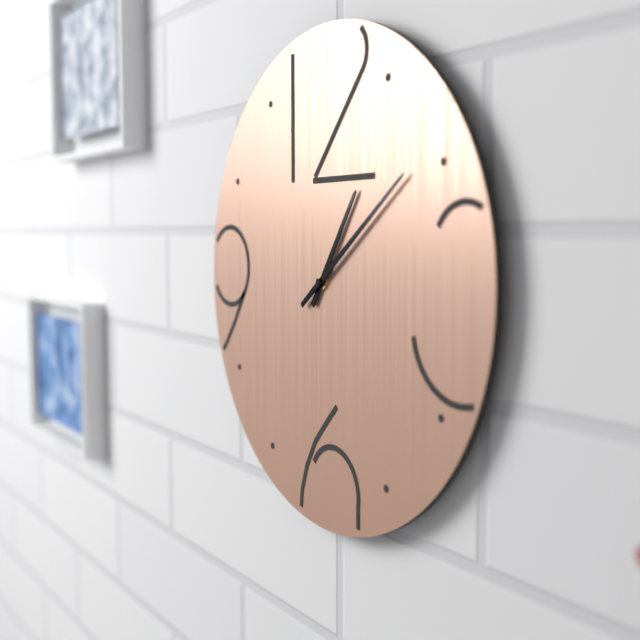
1:09
